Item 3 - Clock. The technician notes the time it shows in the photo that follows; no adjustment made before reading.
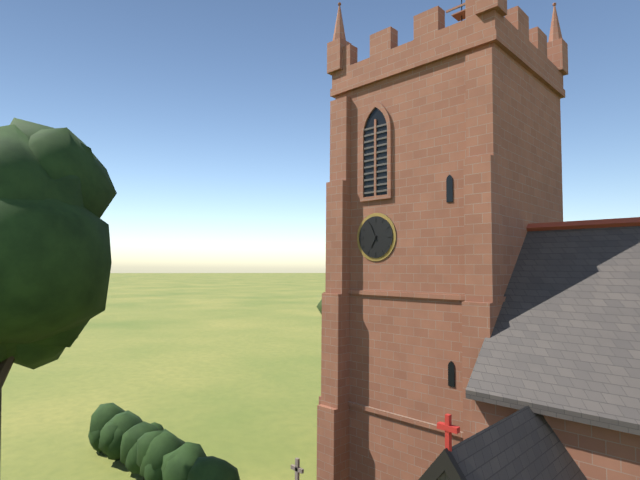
6:56
